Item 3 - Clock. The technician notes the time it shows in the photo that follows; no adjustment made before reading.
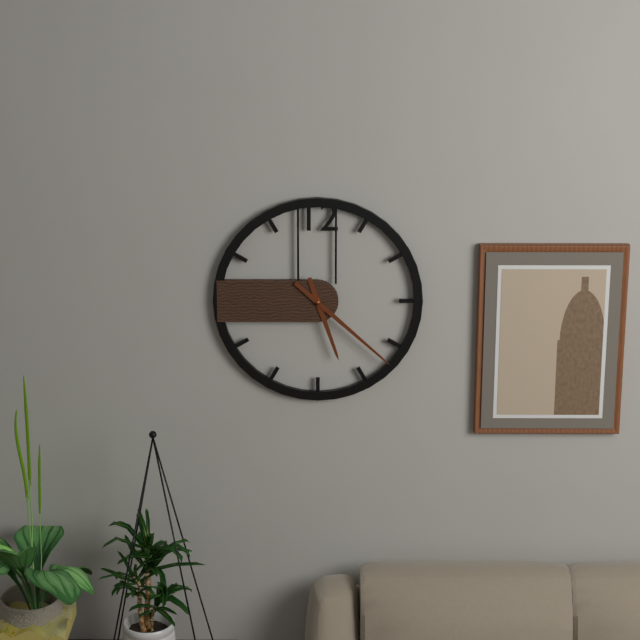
5:22
